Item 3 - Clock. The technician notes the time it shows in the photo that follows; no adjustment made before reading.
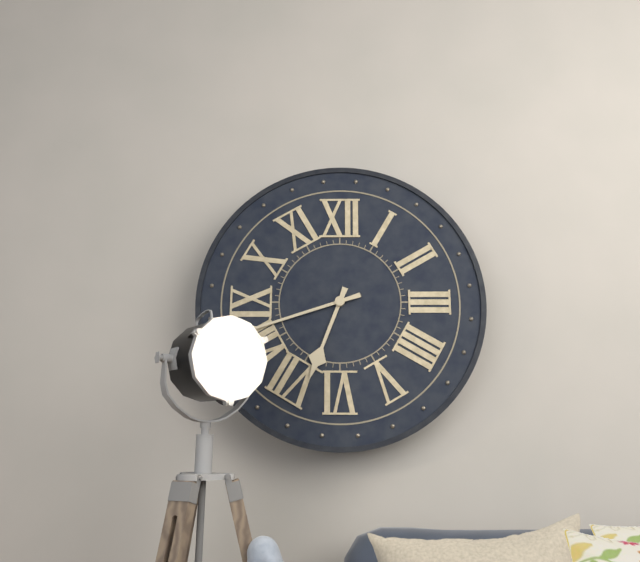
6:42
